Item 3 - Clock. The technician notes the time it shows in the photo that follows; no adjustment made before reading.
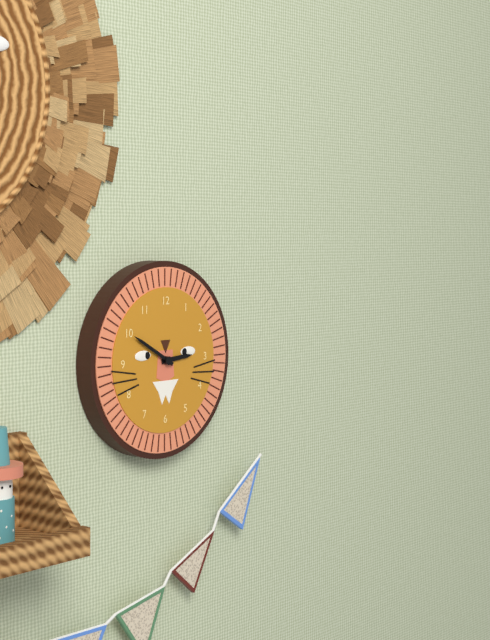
2:50
